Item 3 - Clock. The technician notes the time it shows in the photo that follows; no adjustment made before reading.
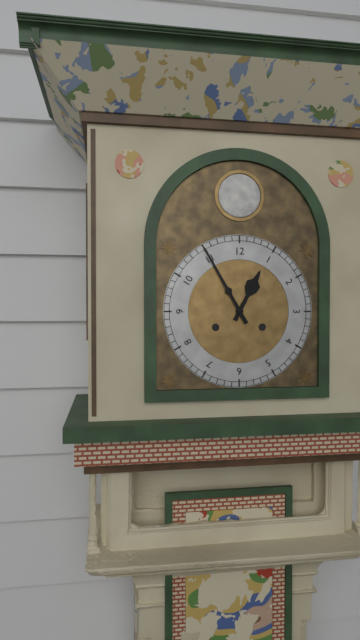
12:55
